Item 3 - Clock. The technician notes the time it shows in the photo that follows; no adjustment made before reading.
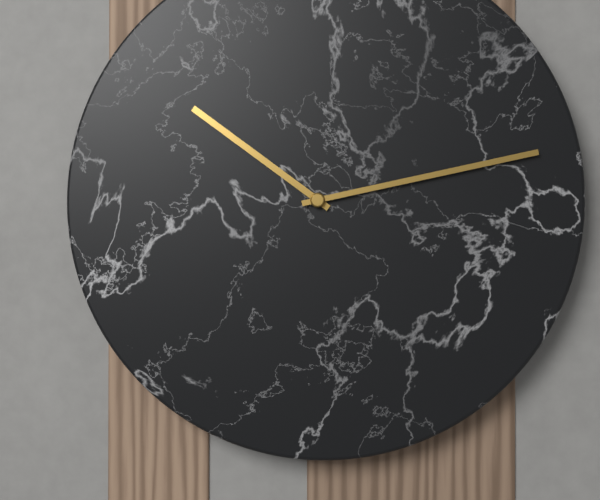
10:13
